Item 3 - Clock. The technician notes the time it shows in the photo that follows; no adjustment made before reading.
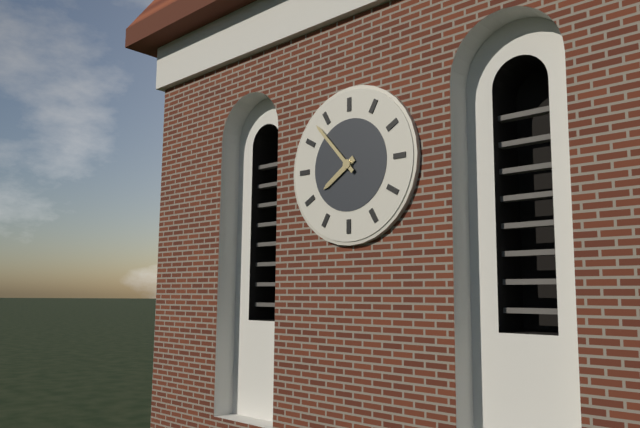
7:53
